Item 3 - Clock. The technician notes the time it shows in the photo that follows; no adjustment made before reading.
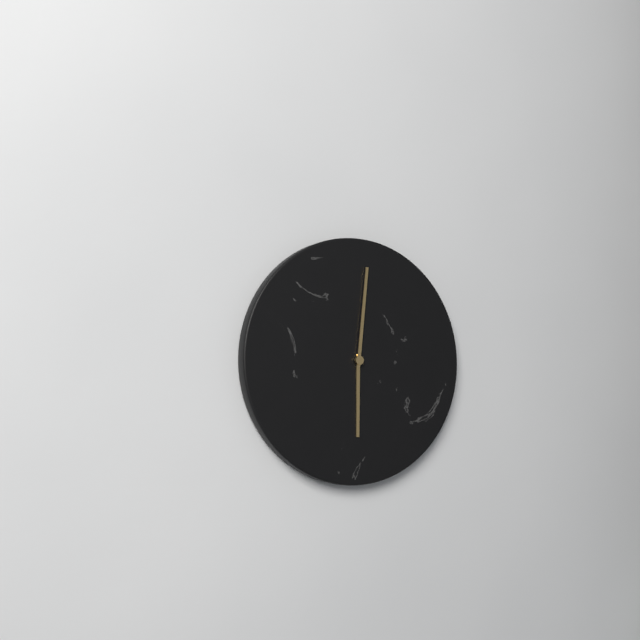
6:01
